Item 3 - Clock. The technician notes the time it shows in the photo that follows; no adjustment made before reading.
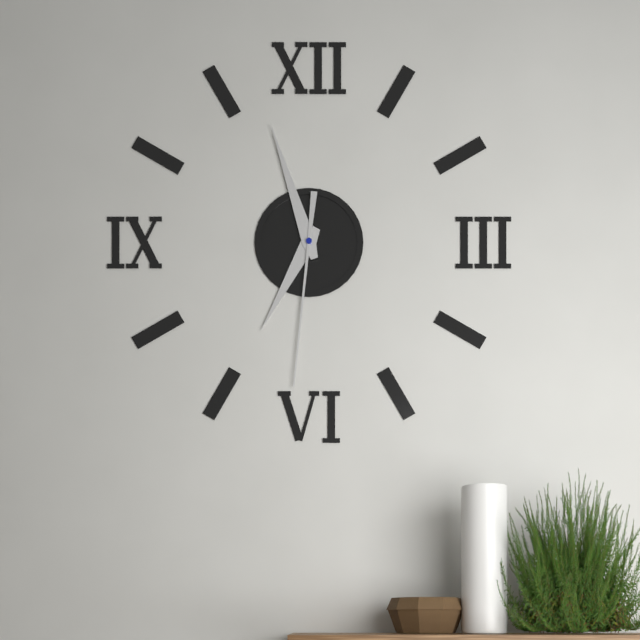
6:57:31
